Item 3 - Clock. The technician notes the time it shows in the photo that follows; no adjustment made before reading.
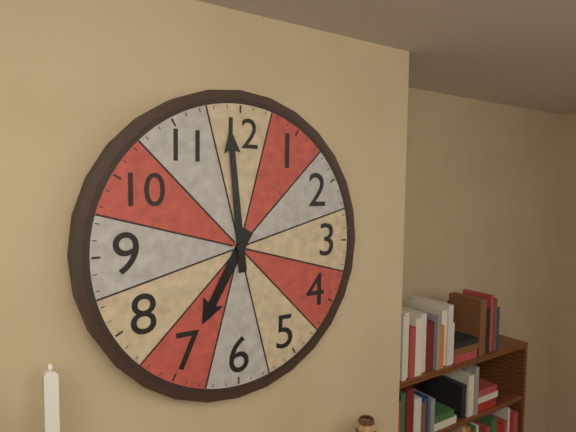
6:59
